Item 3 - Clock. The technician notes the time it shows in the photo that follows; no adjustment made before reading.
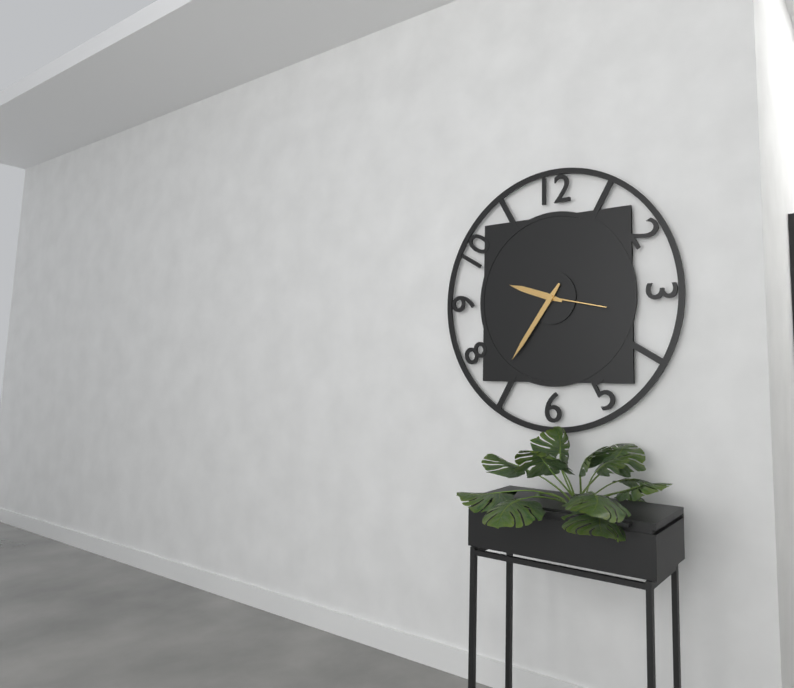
9:36:17
